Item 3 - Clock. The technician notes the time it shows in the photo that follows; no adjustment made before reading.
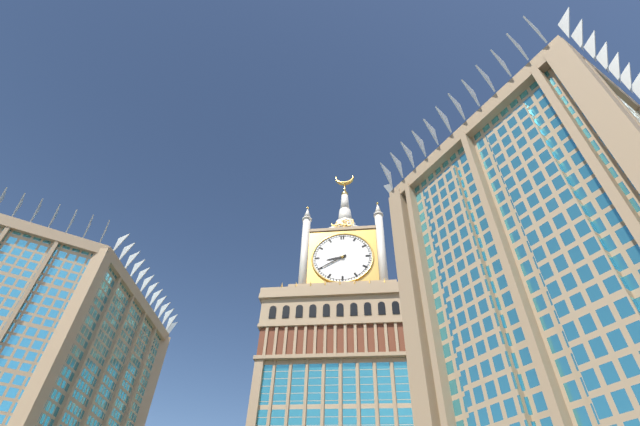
8:40
